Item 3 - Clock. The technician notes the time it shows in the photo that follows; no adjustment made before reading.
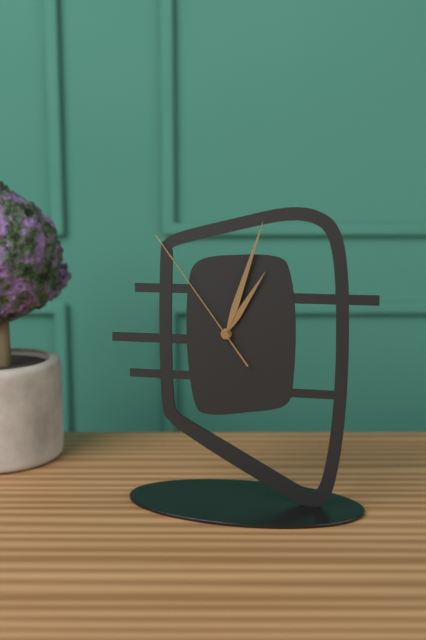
1:03:54
